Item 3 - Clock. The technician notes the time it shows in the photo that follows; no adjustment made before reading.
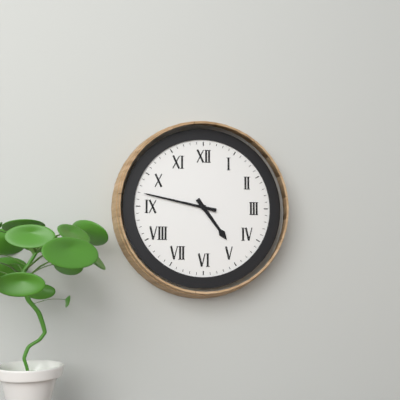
4:47
